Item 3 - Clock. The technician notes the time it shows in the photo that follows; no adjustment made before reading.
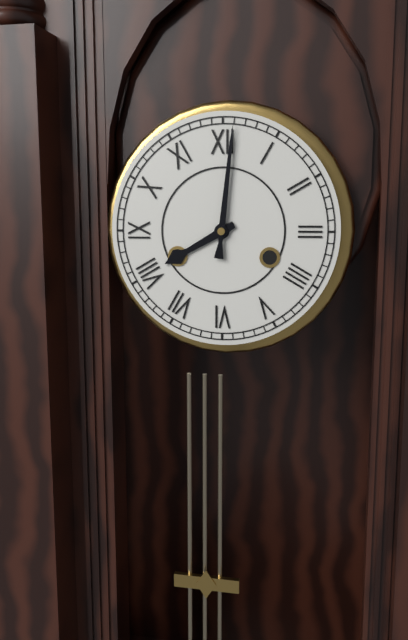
8:01
